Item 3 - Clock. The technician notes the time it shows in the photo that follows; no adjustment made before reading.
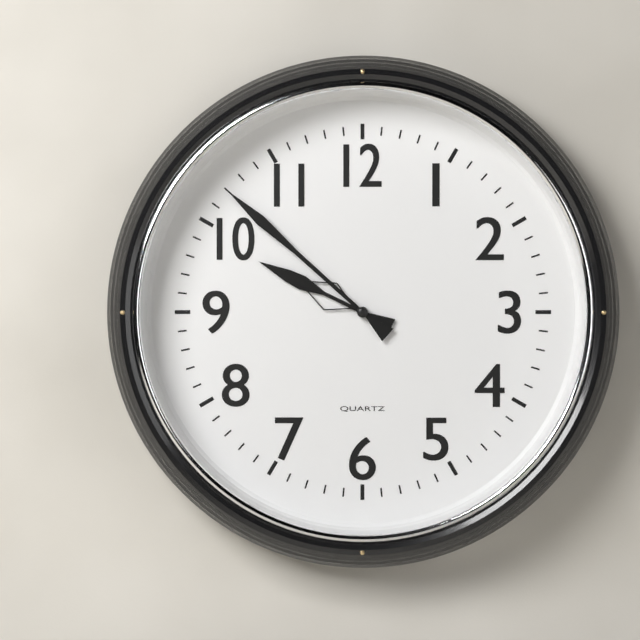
9:52
